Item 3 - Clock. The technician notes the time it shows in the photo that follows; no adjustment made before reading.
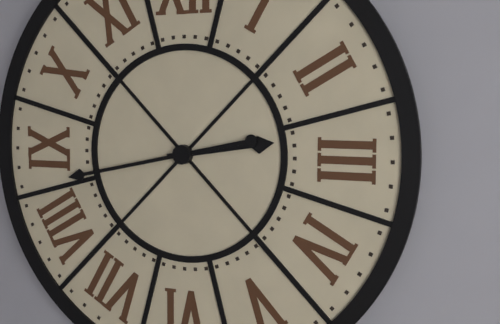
2:43
